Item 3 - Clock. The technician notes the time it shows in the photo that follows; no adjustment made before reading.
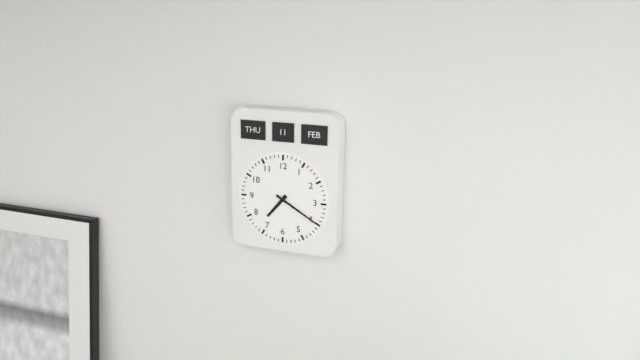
7:20
